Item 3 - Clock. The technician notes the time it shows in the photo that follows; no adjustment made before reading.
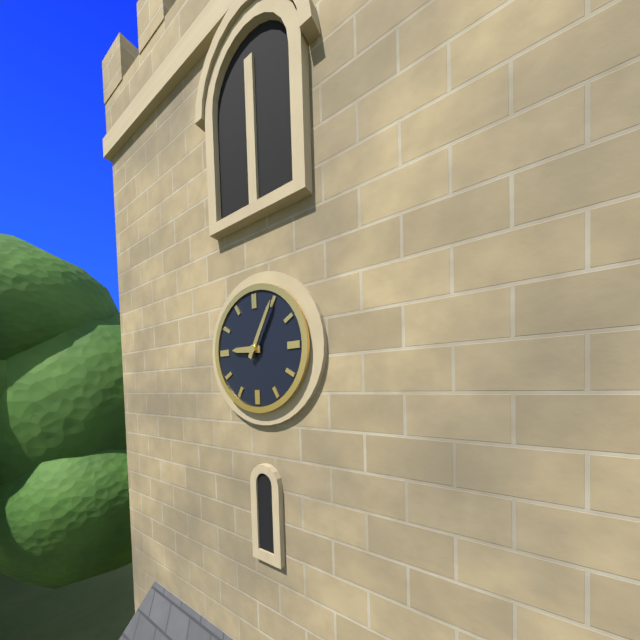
9:05
